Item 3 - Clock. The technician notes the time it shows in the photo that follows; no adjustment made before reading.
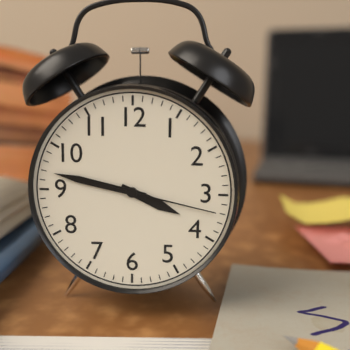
3:47:17
